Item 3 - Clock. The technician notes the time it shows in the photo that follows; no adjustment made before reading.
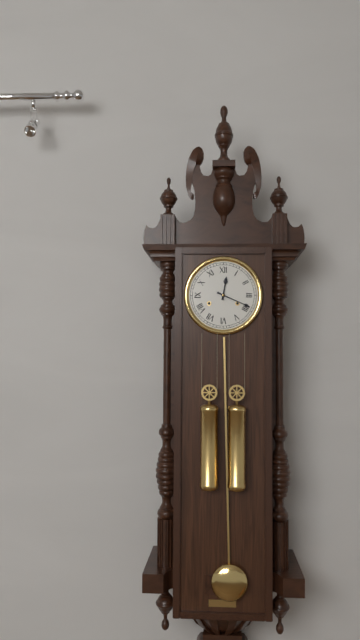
12:19
